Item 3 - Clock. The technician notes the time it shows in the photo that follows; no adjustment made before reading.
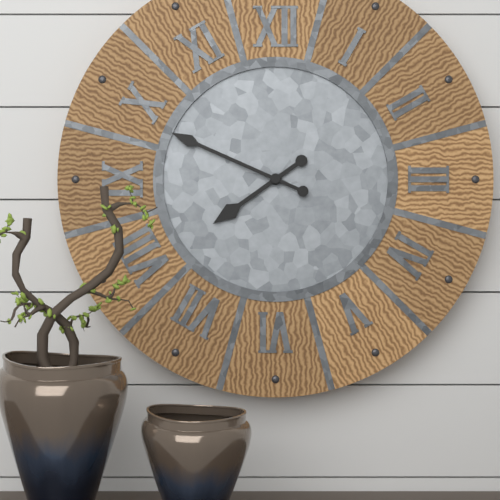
7:49
